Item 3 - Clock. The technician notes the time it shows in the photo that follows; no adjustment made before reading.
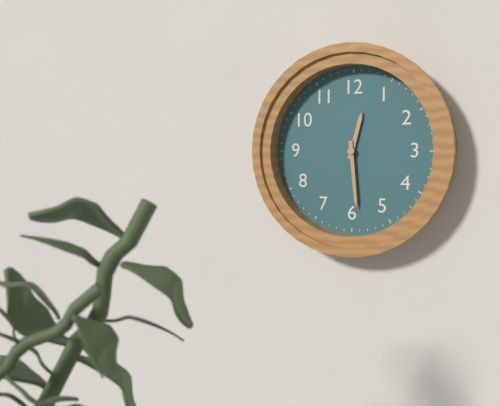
12:29
